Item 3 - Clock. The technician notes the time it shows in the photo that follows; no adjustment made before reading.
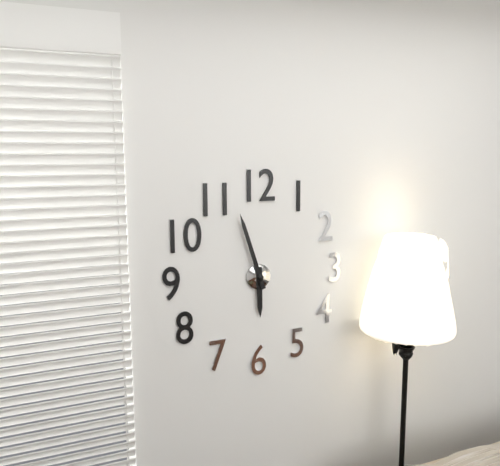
5:57
